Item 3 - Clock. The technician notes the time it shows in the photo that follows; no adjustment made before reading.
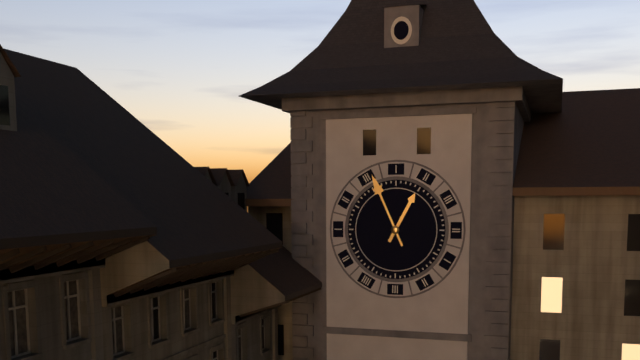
12:56
